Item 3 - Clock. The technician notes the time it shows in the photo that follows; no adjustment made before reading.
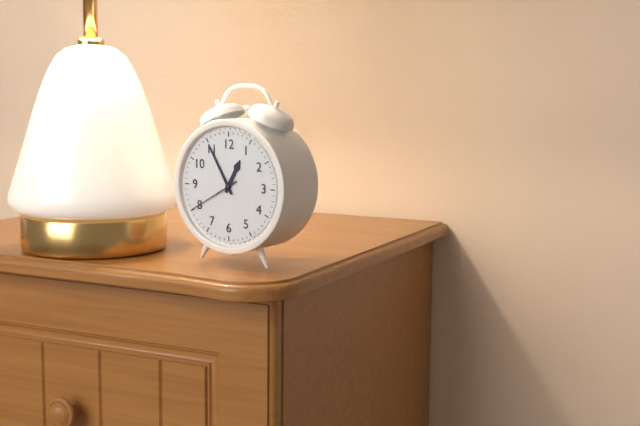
12:55:40
